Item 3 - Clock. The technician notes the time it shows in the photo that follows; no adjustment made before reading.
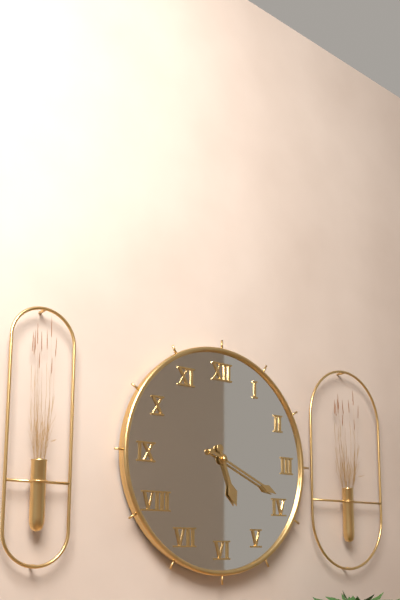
5:19
